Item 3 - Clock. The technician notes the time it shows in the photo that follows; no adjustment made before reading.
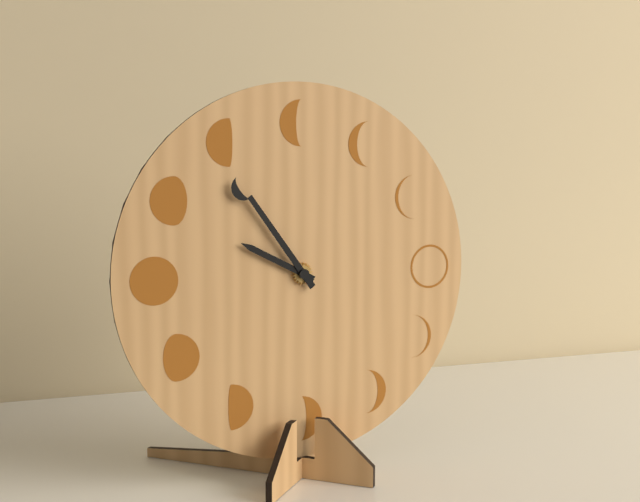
9:54
